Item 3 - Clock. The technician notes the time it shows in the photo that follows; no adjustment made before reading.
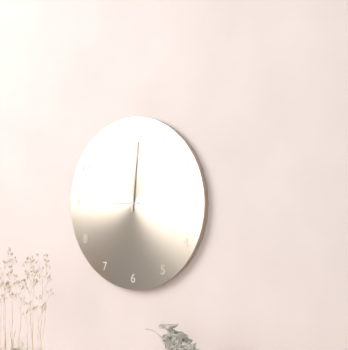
9:01
